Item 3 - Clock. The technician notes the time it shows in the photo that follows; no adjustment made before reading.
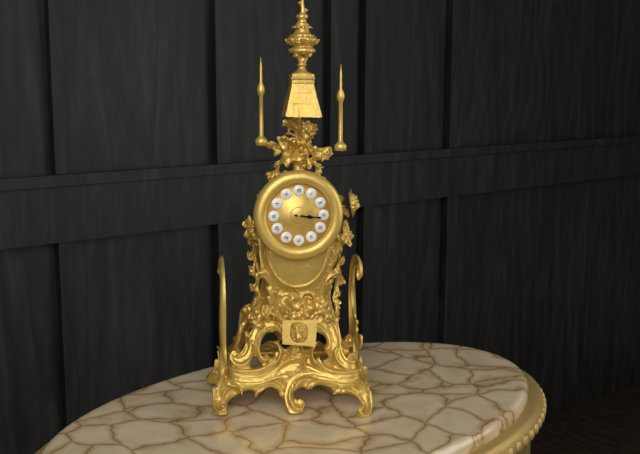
3:16
